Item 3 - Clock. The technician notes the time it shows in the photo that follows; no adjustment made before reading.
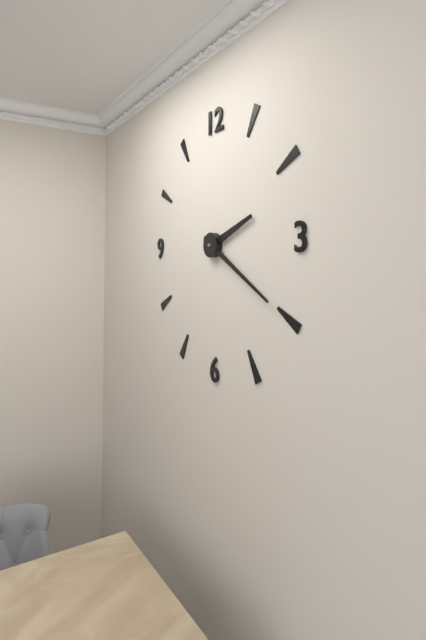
2:20
